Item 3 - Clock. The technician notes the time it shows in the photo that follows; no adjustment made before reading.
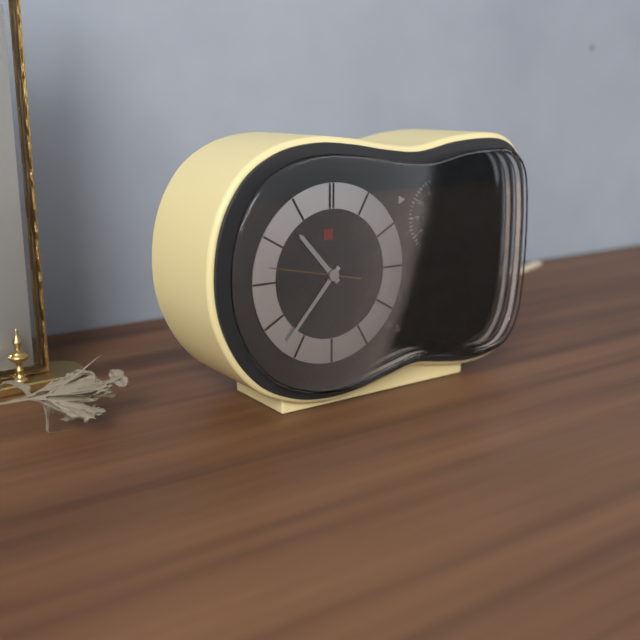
10:37:47
